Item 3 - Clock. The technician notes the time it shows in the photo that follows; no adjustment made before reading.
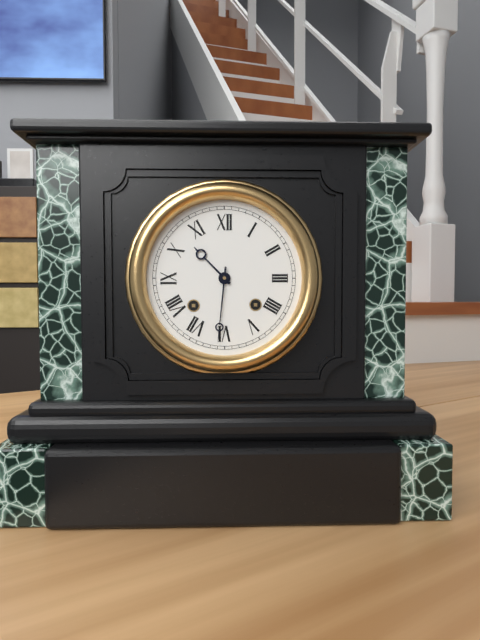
10:31
